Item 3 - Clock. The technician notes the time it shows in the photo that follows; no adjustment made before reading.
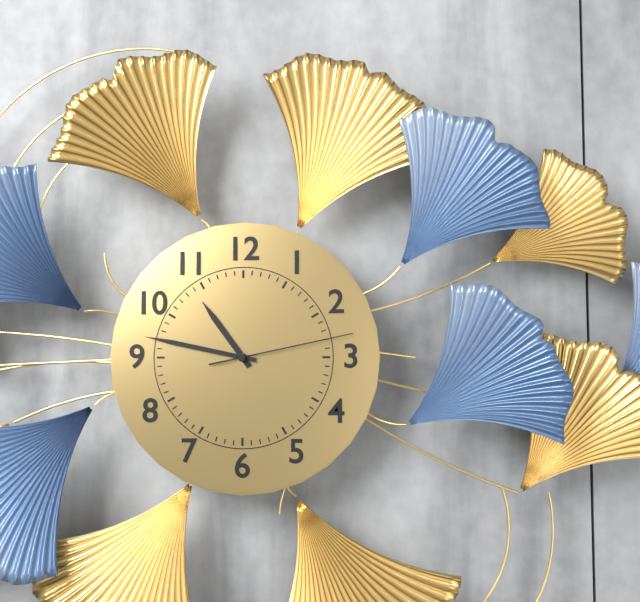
10:47:13
